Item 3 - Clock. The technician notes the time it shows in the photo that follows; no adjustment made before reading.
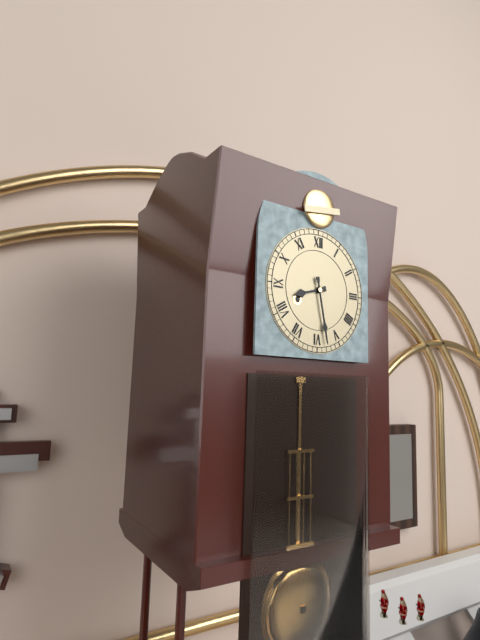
8:28
